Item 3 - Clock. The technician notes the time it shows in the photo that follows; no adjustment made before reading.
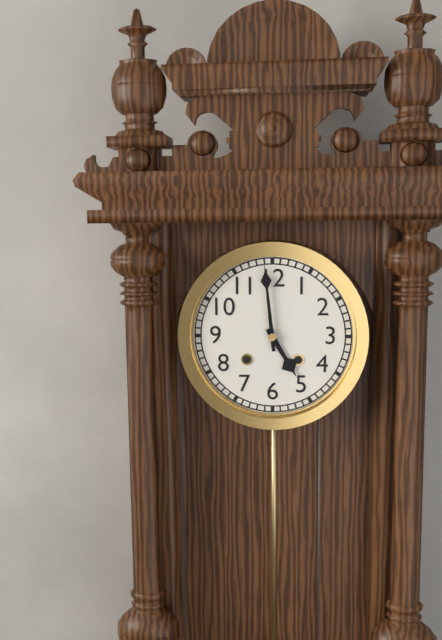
4:59
